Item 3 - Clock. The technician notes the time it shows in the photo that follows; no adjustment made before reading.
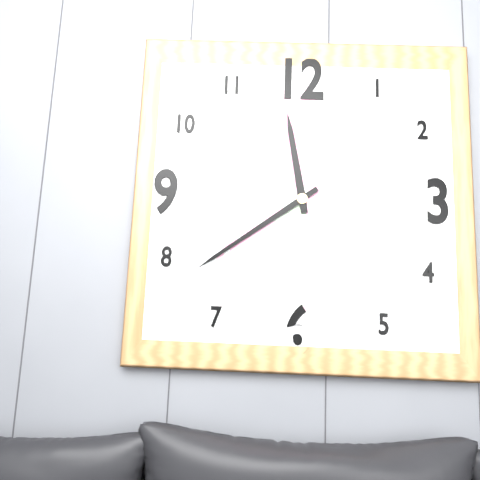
11:39
